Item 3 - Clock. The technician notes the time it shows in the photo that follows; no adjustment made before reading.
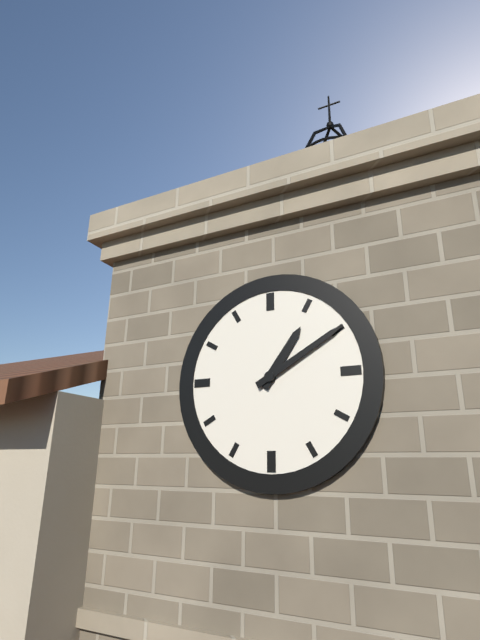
1:10
